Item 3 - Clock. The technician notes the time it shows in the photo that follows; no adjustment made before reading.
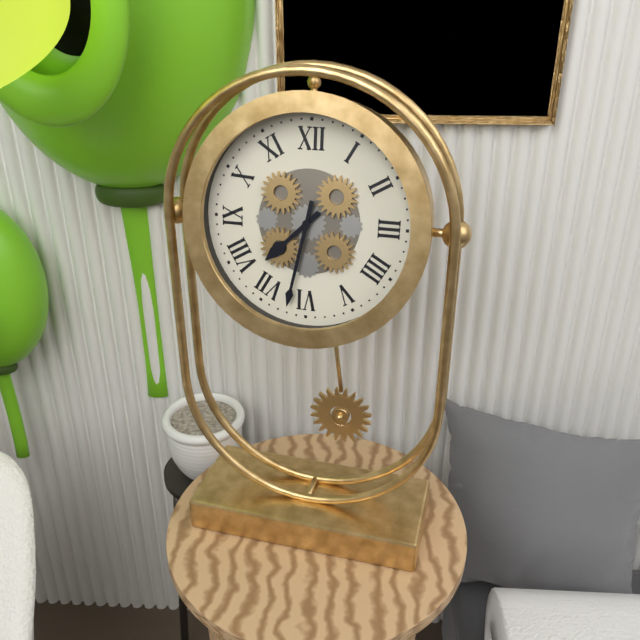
7:32
